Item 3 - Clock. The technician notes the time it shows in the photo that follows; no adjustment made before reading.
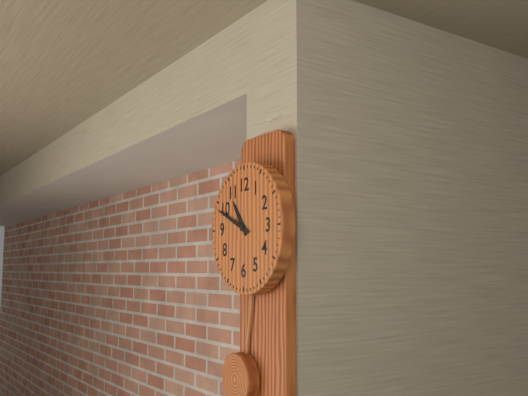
10:49
